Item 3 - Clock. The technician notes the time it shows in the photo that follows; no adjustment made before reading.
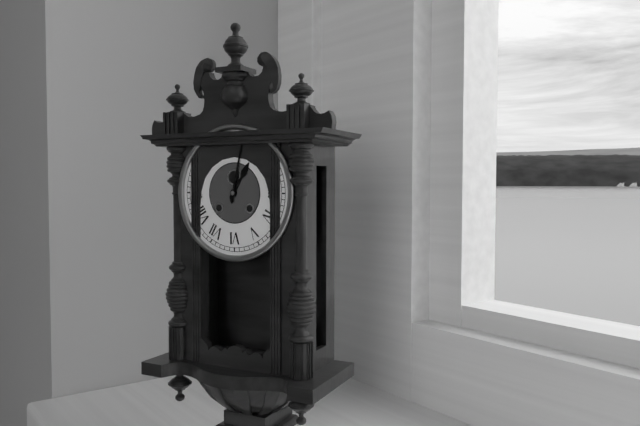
1:02
